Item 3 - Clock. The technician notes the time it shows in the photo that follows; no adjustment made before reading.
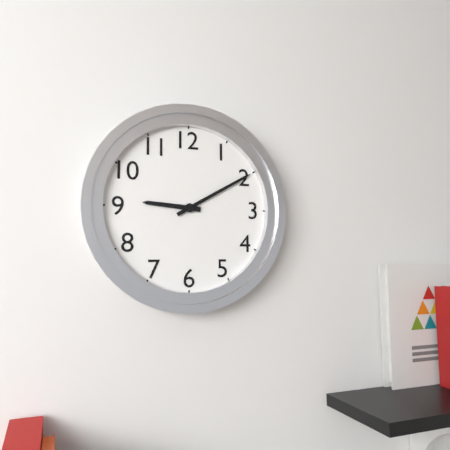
9:10
